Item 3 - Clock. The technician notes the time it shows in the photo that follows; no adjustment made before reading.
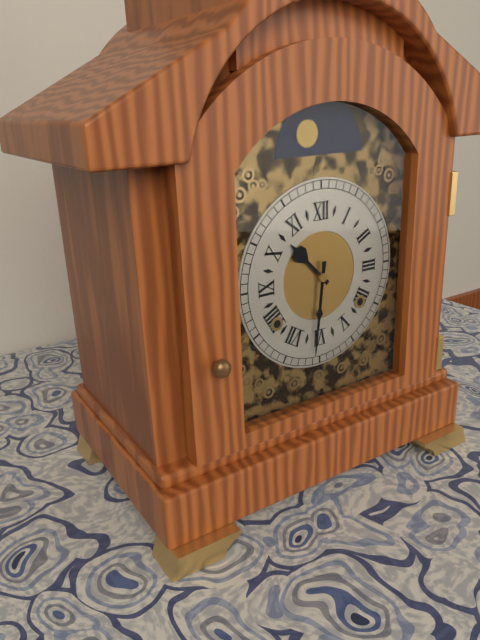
10:31
